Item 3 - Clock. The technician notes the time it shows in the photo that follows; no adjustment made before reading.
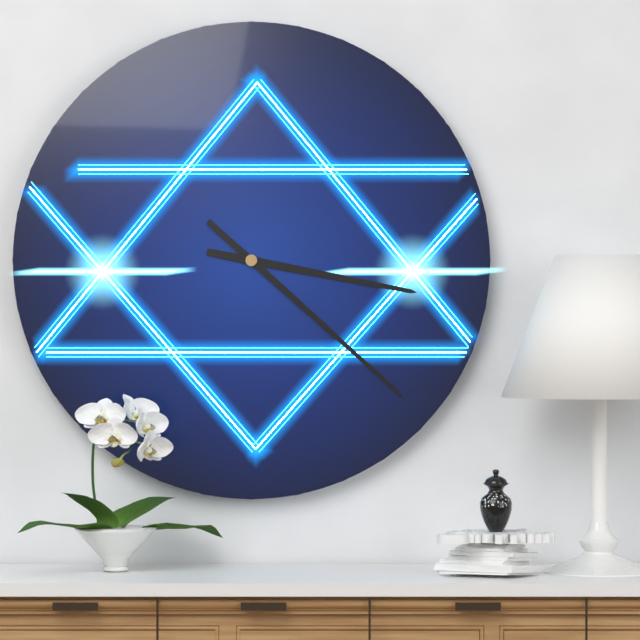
3:22
